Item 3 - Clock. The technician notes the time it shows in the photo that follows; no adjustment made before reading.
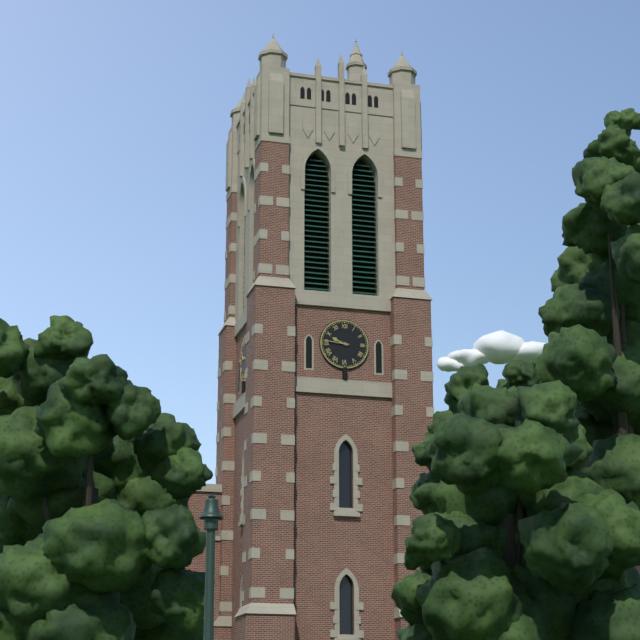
9:46
